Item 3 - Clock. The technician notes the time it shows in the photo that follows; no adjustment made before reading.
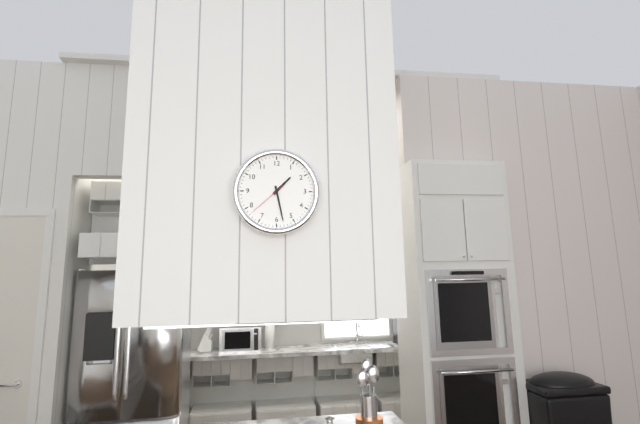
1:28
